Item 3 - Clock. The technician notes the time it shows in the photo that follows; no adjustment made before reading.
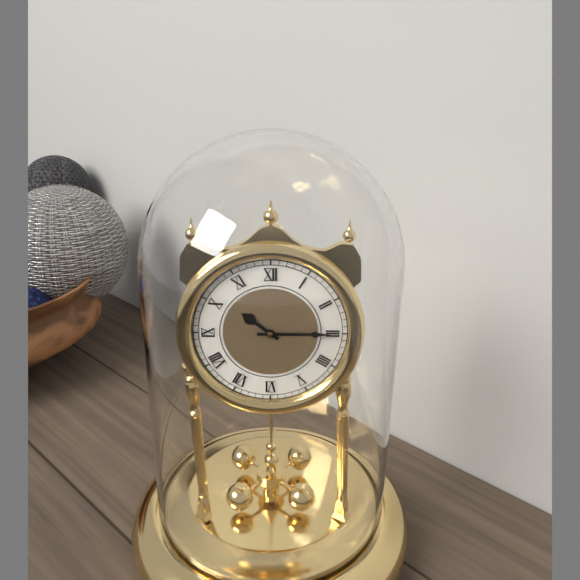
10:15
